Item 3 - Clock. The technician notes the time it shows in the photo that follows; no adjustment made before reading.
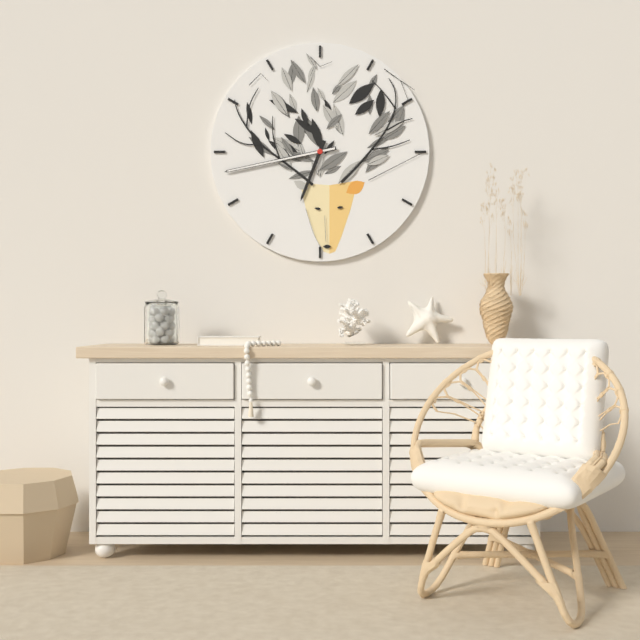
6:43
